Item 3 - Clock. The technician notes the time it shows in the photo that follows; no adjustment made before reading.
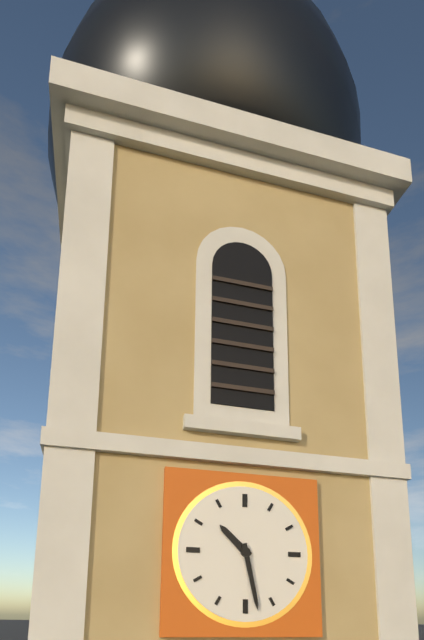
10:28
